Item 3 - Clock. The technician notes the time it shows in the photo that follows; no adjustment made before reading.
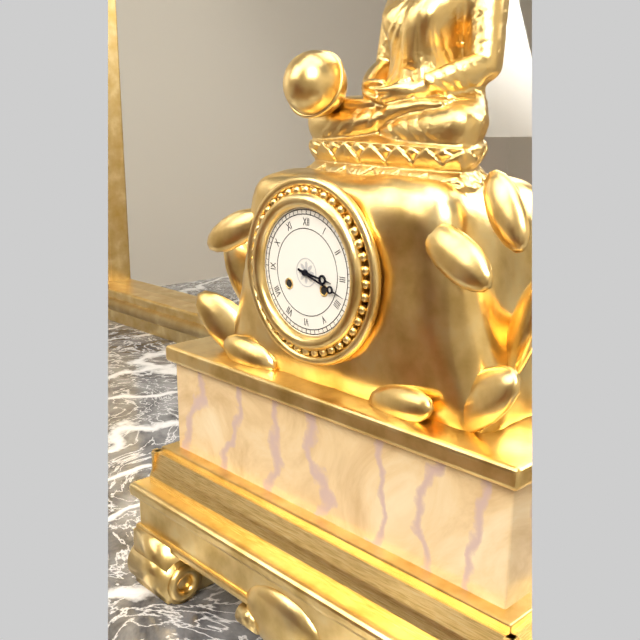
3:18
